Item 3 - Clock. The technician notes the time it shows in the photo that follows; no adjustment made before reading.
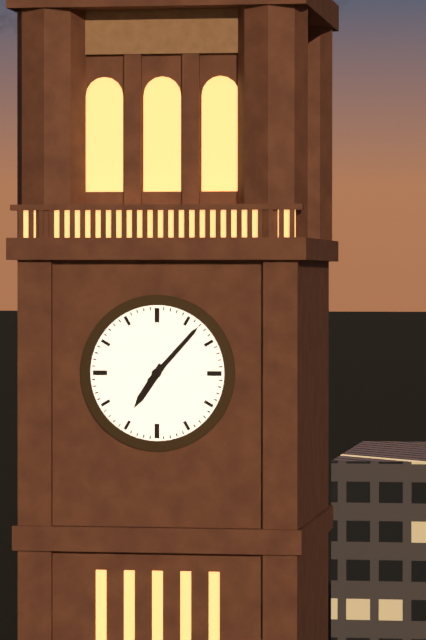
7:07
